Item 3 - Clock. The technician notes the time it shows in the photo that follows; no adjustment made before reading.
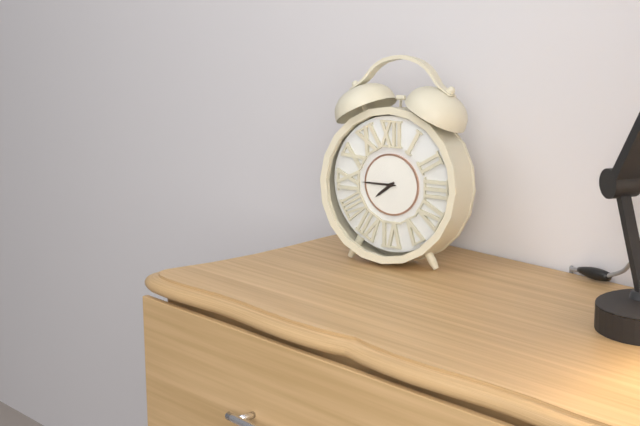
7:45
